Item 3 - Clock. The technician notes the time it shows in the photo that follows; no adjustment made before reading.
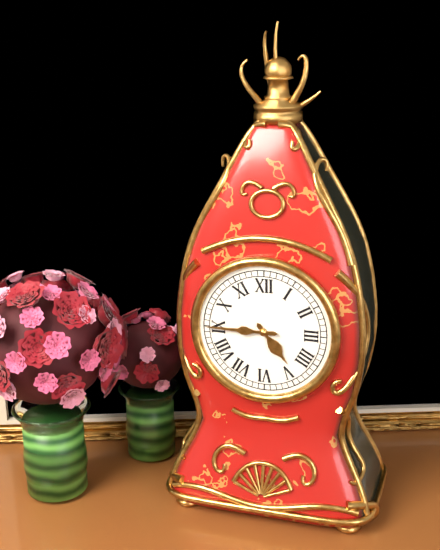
4:45
